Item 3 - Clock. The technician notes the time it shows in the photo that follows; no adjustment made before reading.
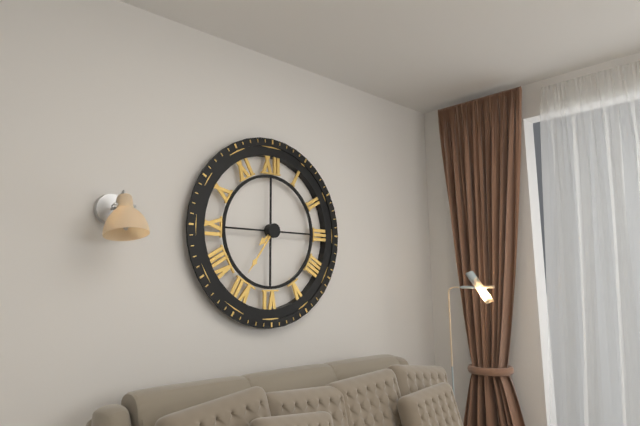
7:36
